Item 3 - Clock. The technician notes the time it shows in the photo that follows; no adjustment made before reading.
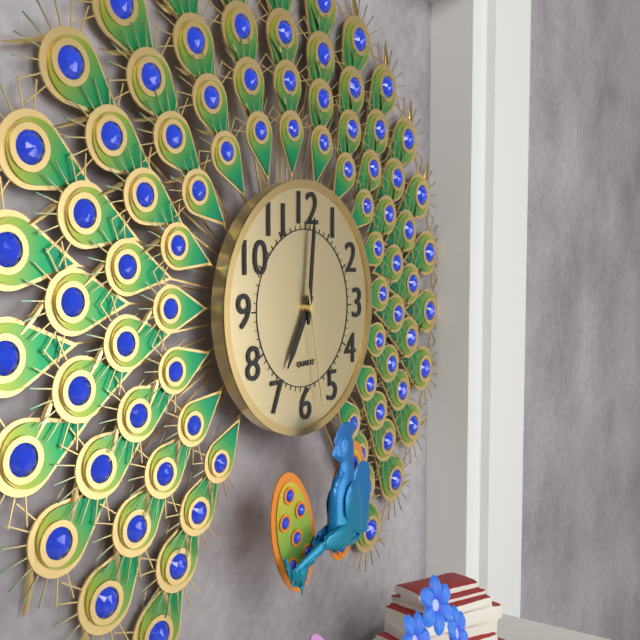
7:01:28
